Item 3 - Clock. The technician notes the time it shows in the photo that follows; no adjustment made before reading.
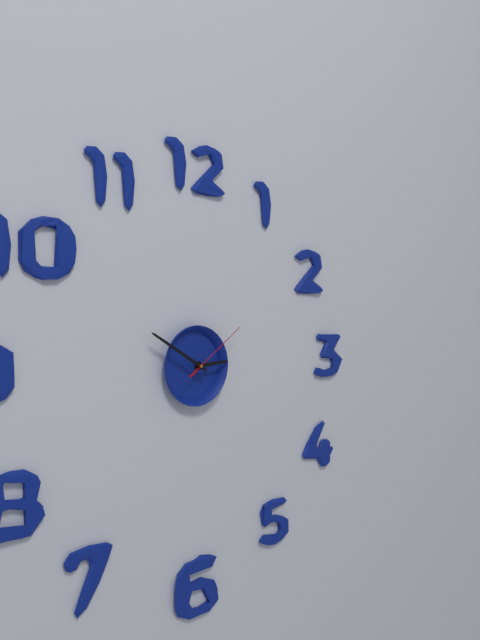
2:50:09
